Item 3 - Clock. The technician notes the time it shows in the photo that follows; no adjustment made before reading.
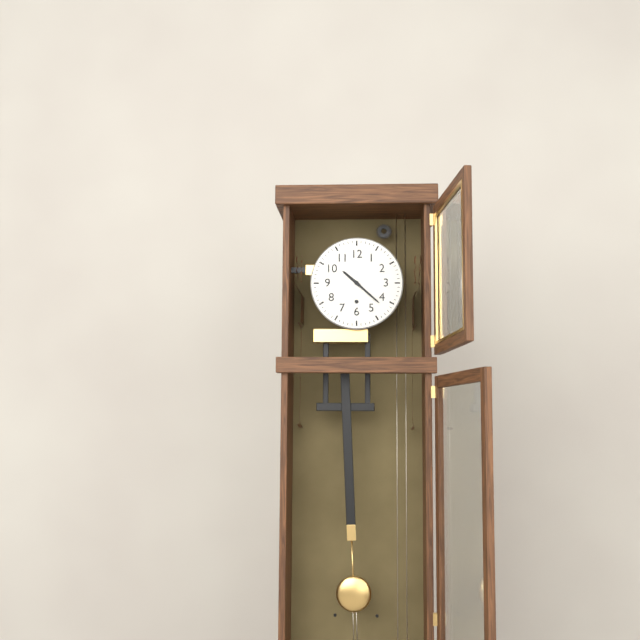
10:22
